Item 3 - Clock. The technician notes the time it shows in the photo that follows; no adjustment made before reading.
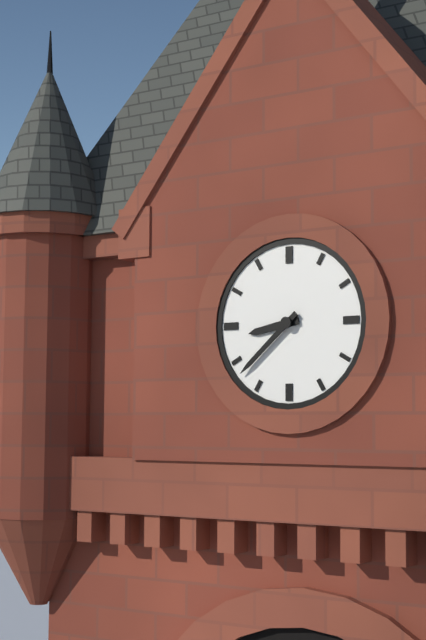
8:38
